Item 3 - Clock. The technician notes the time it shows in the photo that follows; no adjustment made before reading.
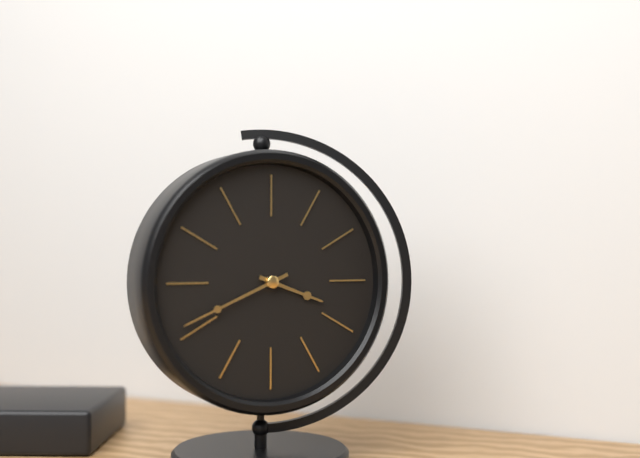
3:41
